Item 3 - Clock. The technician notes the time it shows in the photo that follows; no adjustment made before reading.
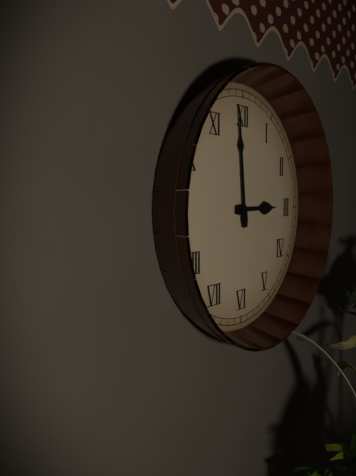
2:59
